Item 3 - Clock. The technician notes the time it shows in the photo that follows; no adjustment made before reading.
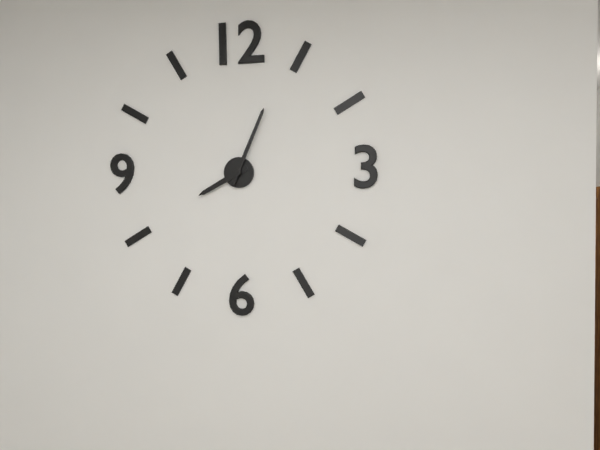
8:04
